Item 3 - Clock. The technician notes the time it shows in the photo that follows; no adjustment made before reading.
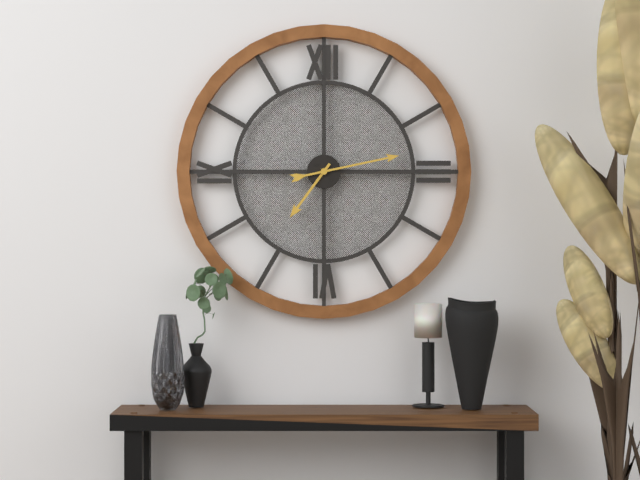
7:13
